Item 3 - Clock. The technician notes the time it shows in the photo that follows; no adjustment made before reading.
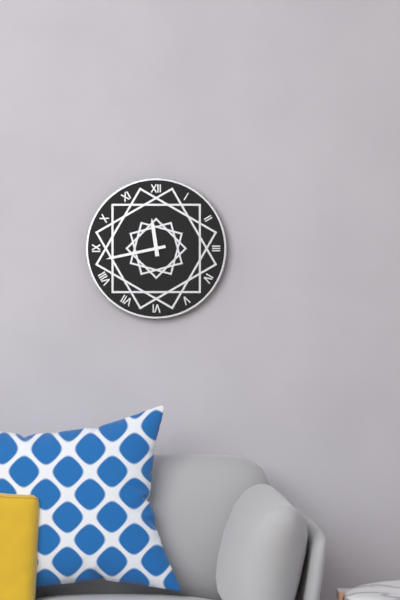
11:43
